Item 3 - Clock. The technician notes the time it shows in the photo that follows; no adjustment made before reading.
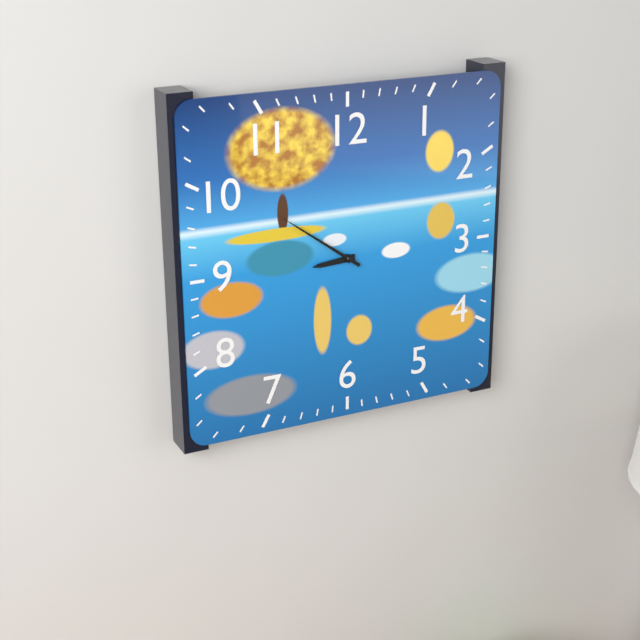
8:51
